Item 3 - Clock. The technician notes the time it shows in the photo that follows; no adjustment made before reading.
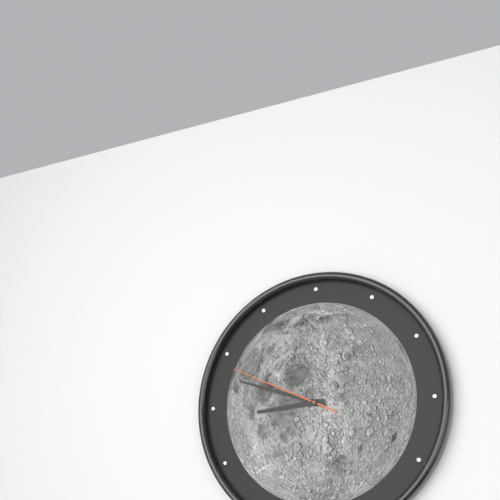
8:48:49
